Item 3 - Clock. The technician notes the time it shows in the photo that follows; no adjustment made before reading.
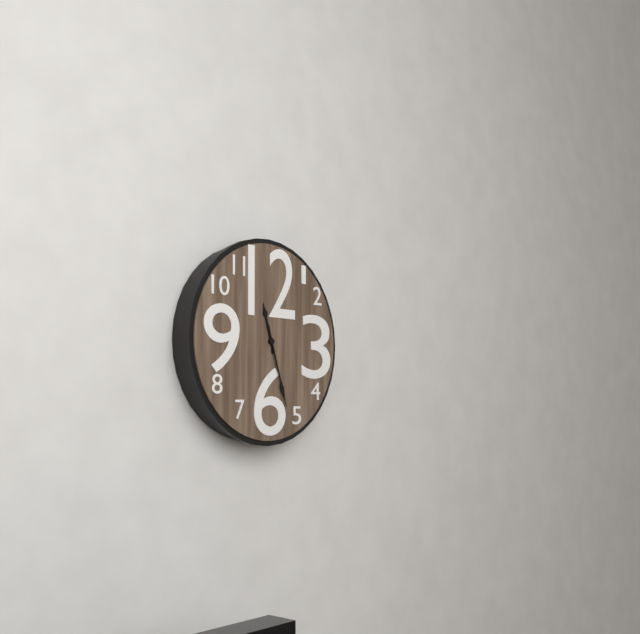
11:27
